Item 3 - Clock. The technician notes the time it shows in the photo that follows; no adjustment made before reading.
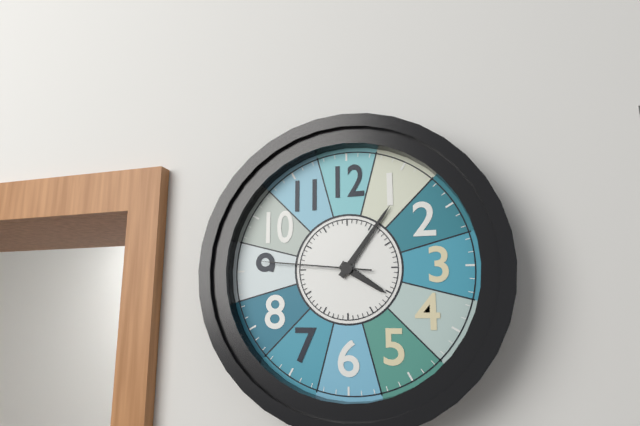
4:06:46
